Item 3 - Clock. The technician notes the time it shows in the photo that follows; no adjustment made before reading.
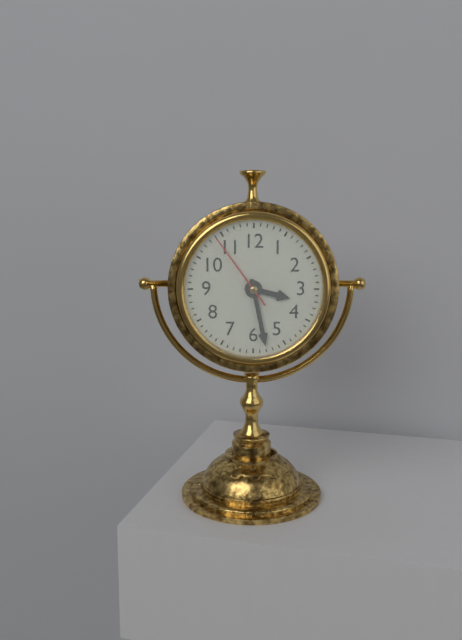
3:28:54
